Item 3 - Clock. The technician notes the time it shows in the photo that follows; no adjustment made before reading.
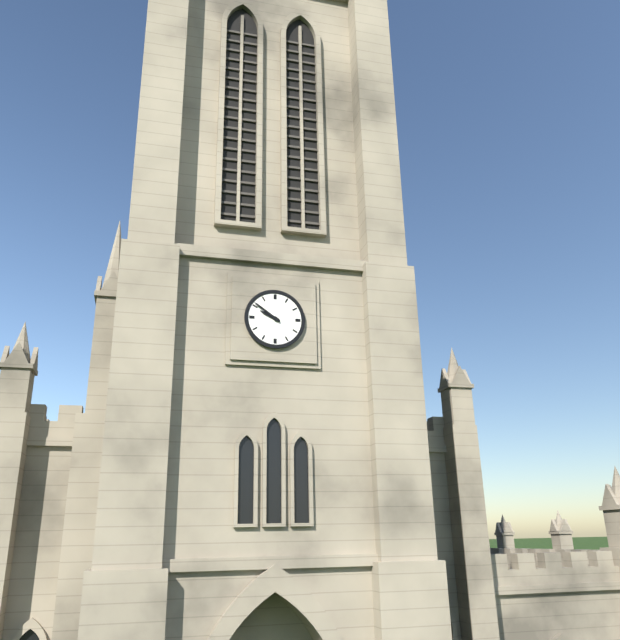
9:51
